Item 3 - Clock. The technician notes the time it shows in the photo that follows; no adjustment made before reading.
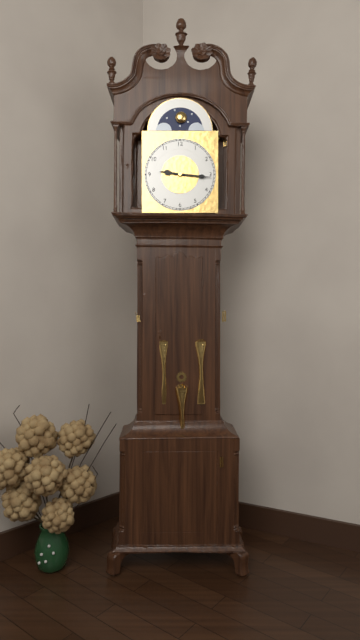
9:16
